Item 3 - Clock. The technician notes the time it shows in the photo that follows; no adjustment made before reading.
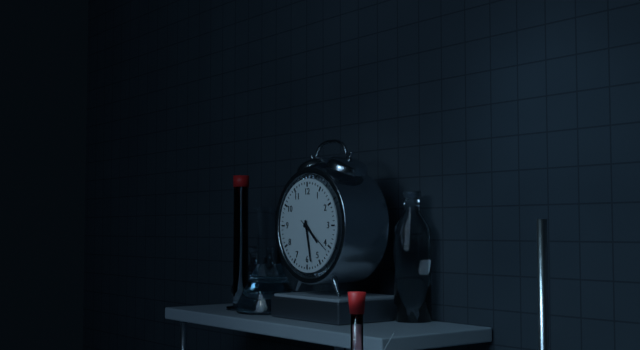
4:28
